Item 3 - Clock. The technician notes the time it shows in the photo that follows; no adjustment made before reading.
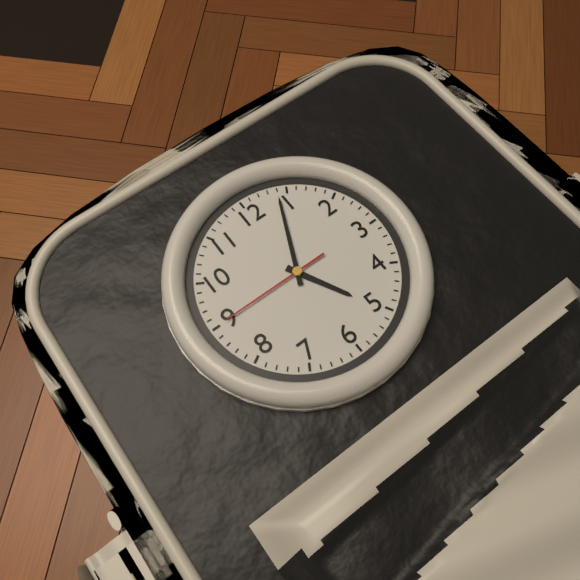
5:04:45
